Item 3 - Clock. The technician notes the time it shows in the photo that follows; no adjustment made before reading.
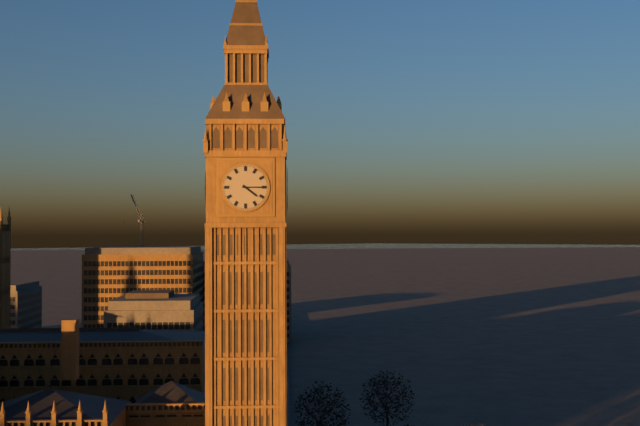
4:15
